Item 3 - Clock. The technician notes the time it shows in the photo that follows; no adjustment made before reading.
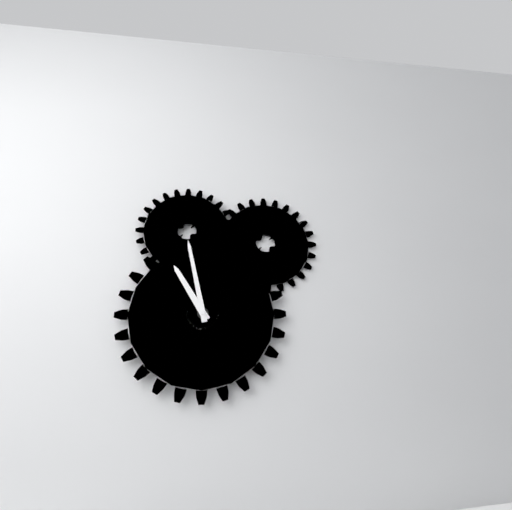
10:58
